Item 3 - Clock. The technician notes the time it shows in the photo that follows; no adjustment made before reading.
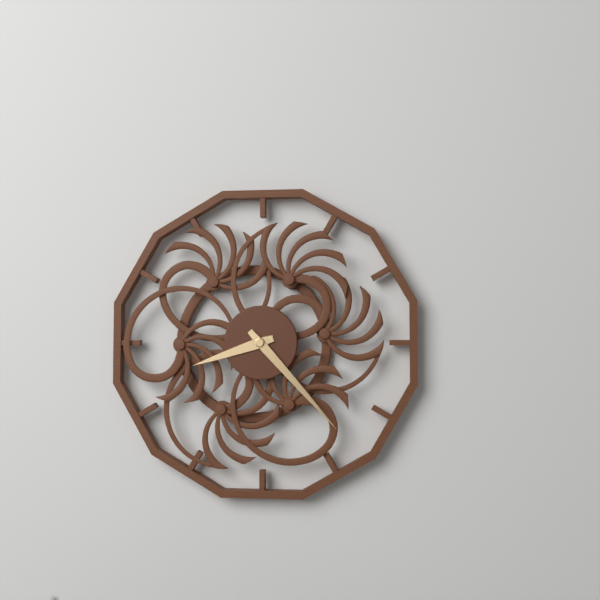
8:23
